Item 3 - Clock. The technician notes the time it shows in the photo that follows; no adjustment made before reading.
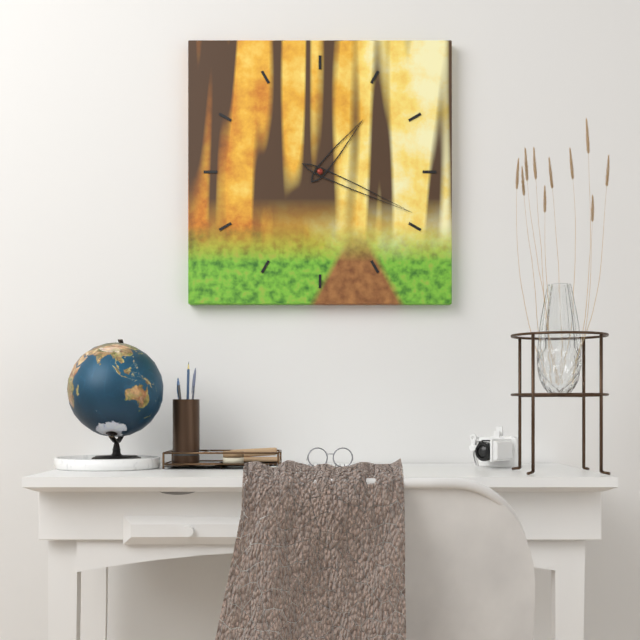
1:19
